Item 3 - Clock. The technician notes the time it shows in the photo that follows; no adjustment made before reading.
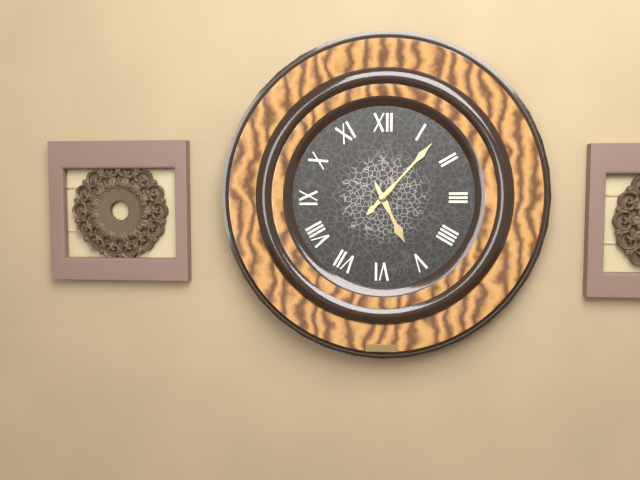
5:07
